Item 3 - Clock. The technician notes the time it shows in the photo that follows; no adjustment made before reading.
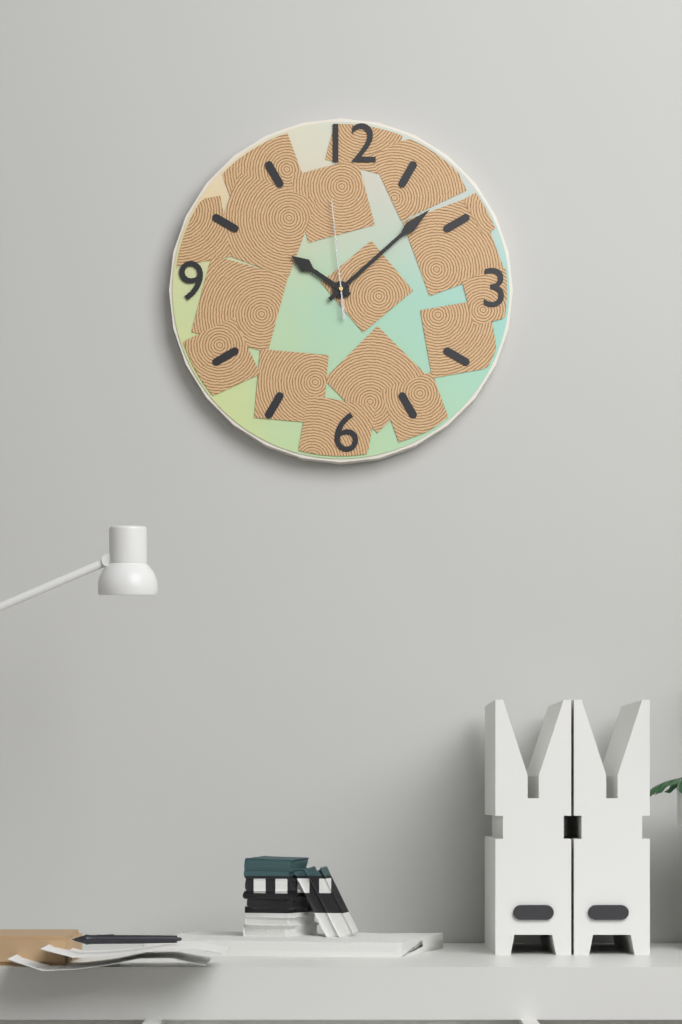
10:08:59
